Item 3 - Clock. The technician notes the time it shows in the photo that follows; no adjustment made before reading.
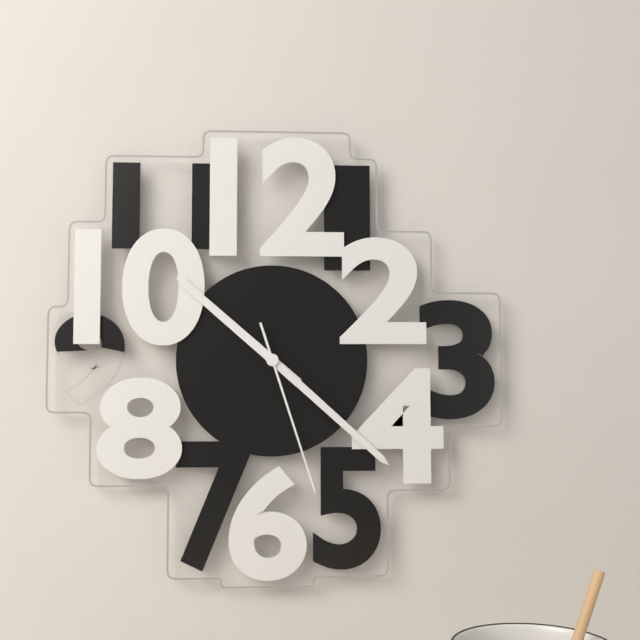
10:22:27
